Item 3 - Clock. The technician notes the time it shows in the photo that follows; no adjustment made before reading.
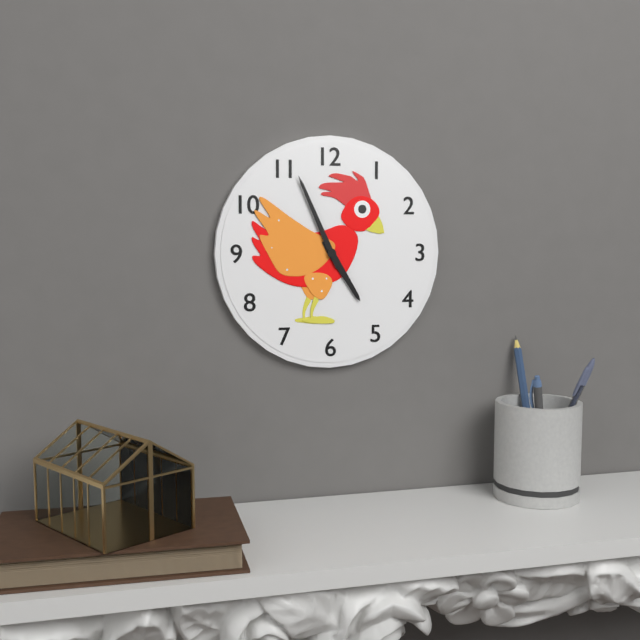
4:56
